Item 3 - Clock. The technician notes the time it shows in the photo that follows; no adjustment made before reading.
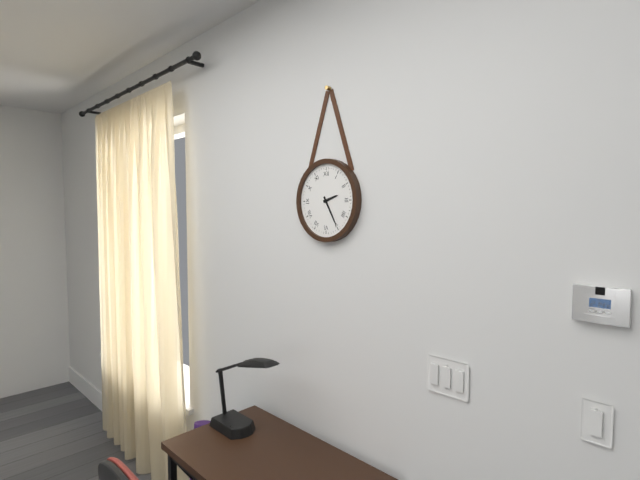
2:25
